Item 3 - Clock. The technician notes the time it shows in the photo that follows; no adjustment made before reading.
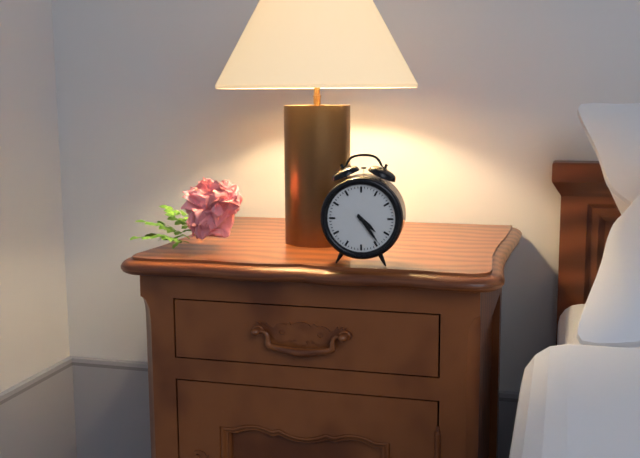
4:24
